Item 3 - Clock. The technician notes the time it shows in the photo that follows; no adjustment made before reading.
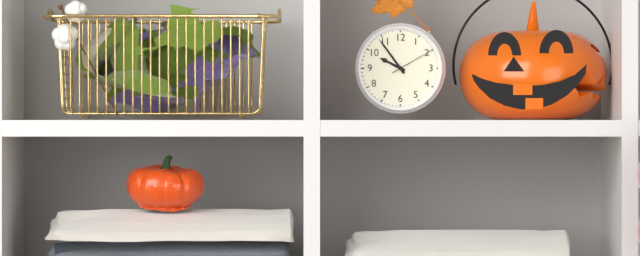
9:54
